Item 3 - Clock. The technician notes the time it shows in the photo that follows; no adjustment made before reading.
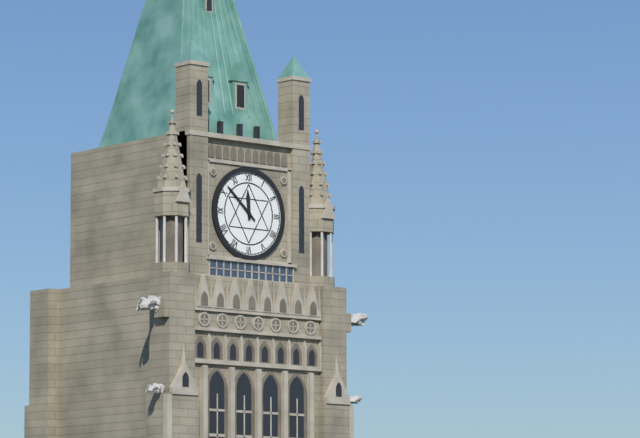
11:52
